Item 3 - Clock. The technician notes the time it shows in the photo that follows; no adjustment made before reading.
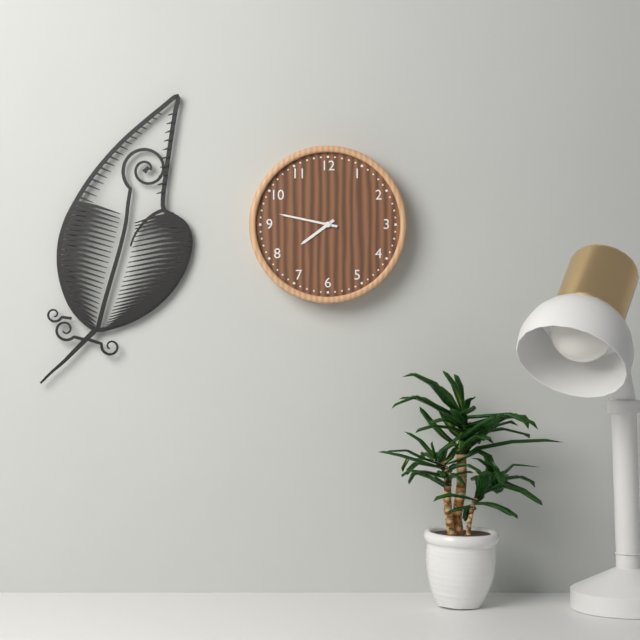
7:47
